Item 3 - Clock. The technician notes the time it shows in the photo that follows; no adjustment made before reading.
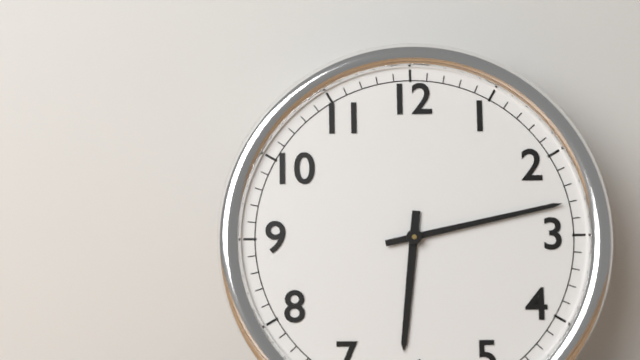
6:13
